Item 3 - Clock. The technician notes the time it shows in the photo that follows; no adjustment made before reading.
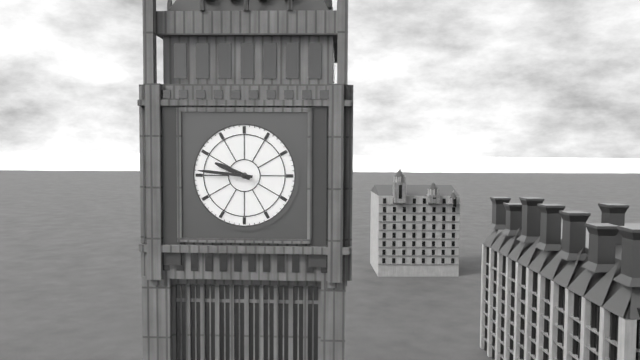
9:46
